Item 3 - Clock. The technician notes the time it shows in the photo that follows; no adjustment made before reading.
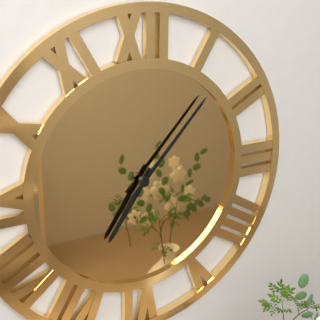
7:07
